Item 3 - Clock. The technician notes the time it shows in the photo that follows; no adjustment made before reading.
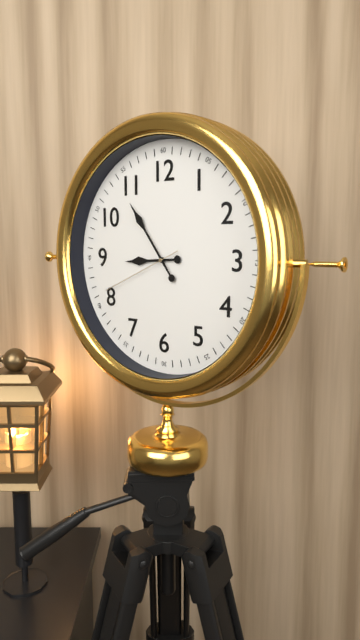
8:54:41
